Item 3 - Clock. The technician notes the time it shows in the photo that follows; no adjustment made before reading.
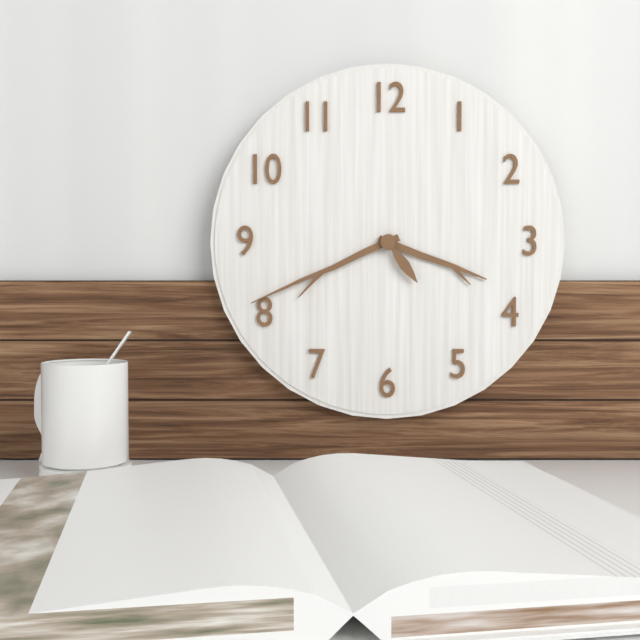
3:41:24
